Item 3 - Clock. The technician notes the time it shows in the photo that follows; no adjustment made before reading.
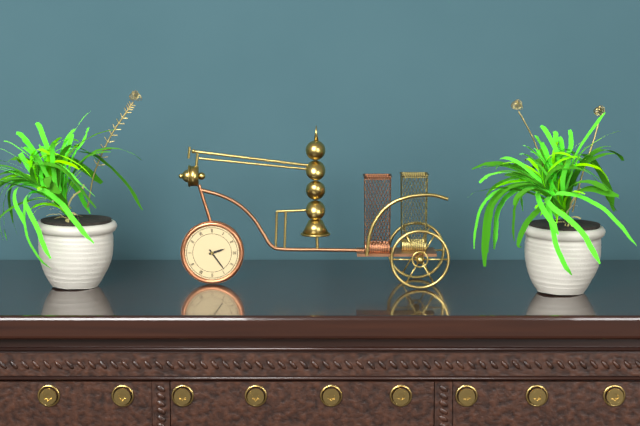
2:24
